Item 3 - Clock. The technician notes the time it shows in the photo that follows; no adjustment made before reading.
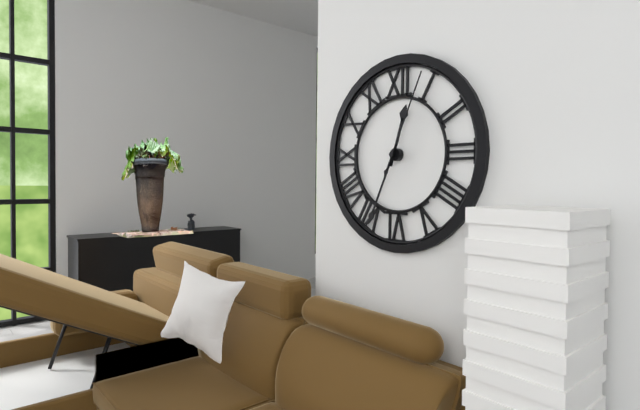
12:34:04
